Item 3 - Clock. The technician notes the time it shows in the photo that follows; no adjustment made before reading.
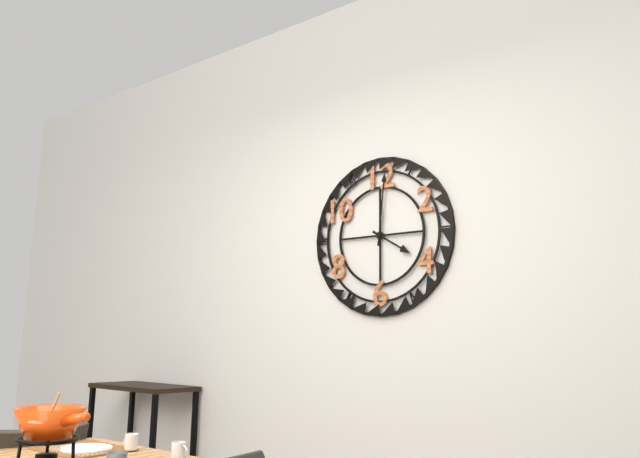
4:01
